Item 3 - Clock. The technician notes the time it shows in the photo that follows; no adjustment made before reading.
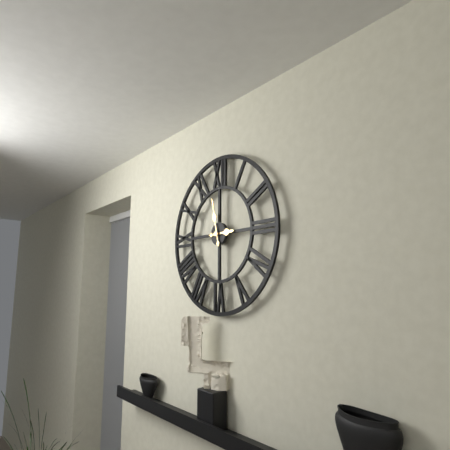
2:58
